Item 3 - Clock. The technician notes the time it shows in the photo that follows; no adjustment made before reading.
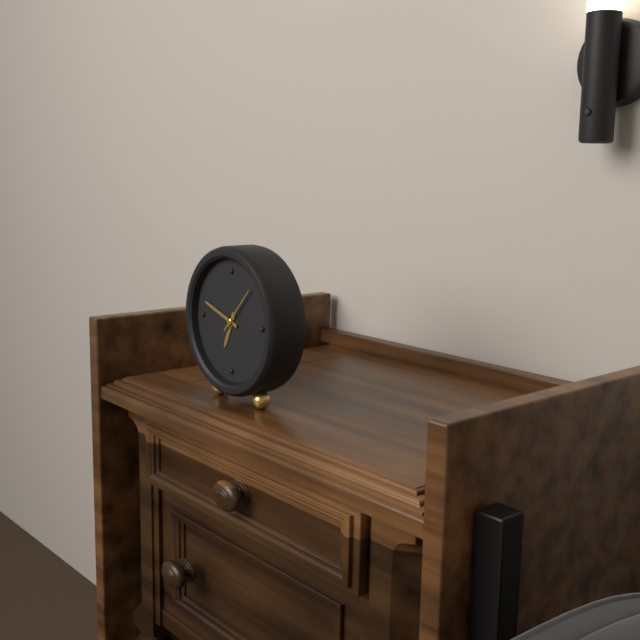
6:48
